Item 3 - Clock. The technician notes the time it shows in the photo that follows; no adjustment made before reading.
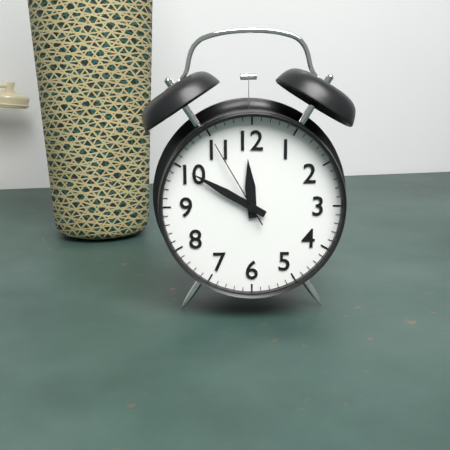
11:50:55
